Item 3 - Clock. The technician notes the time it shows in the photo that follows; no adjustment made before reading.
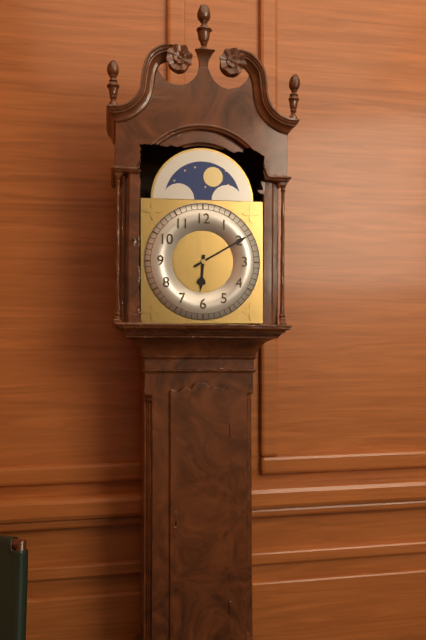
6:10
